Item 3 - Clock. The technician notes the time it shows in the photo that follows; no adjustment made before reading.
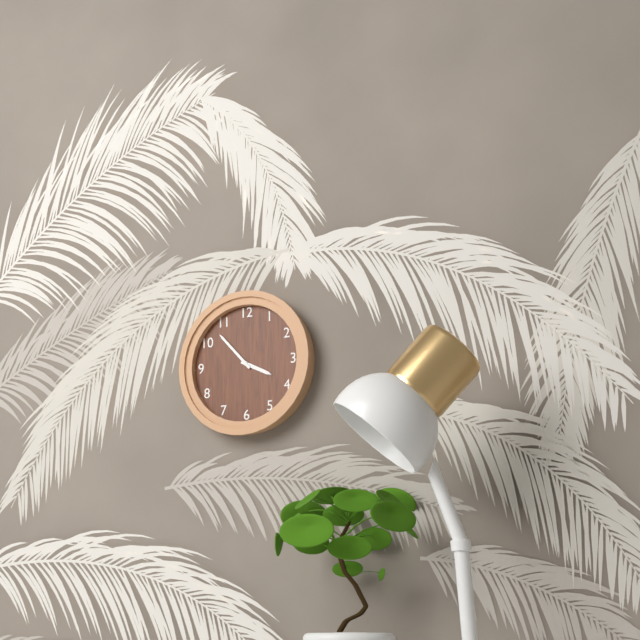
3:53
